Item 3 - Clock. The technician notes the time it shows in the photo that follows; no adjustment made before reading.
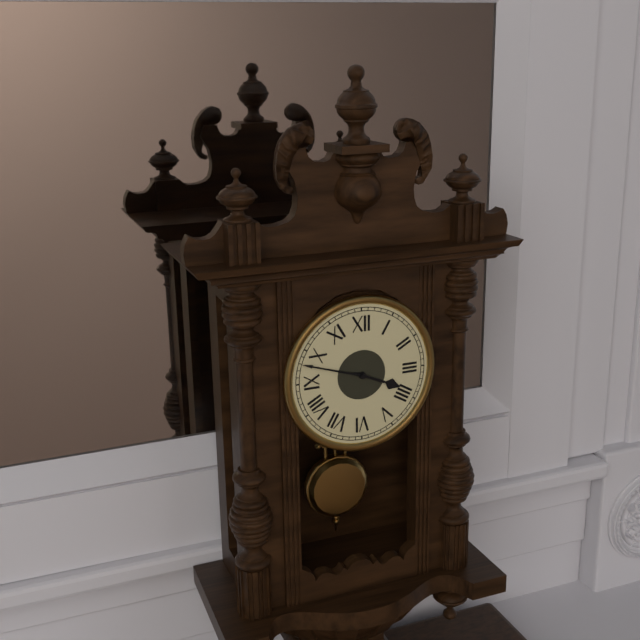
3:48
